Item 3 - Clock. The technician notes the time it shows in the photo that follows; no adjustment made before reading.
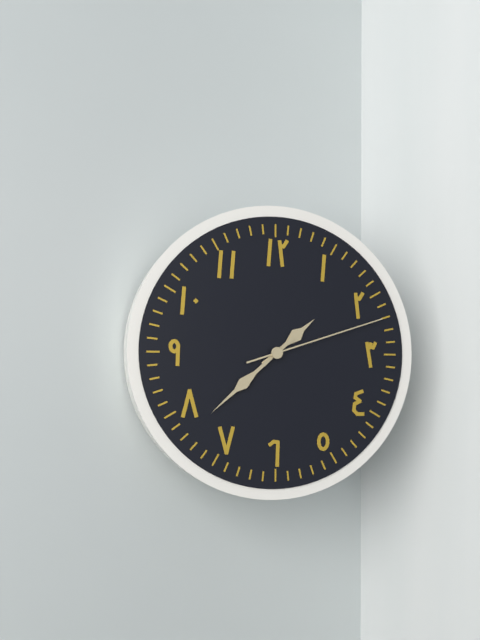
1:38:12
